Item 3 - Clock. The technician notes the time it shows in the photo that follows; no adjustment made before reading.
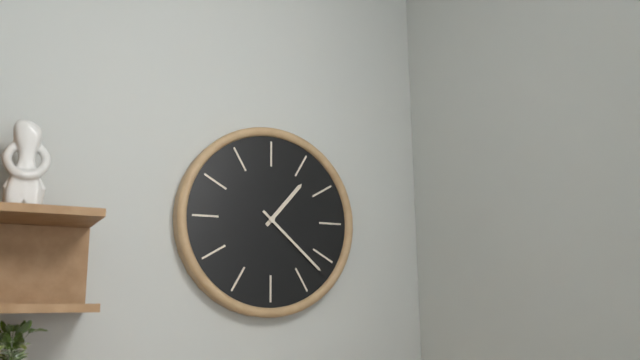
1:22
